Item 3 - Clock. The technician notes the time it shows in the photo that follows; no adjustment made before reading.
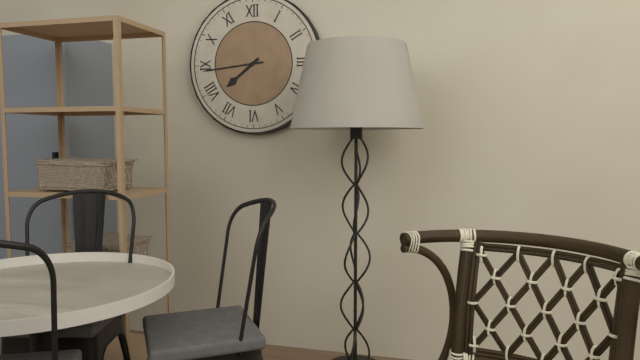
7:44
